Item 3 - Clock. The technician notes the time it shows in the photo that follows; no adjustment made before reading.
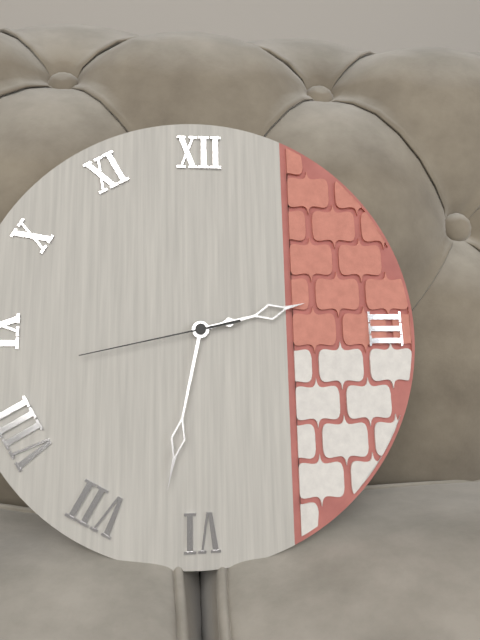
2:32:43
